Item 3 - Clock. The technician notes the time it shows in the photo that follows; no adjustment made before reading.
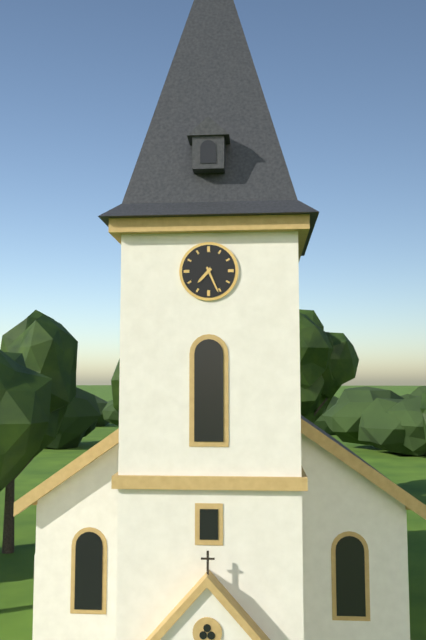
7:26
